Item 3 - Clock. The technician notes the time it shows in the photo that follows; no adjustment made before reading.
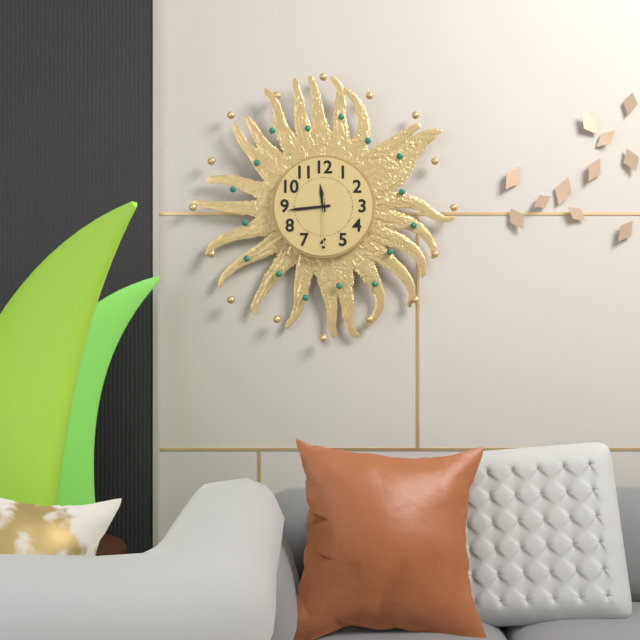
11:44:30
